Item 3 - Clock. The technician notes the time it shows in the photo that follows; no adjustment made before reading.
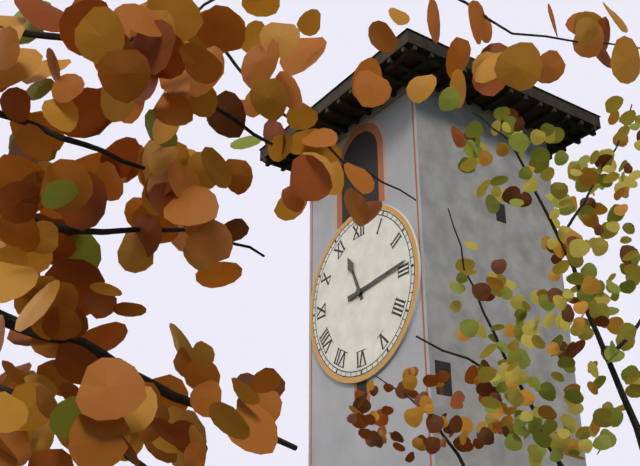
11:14
